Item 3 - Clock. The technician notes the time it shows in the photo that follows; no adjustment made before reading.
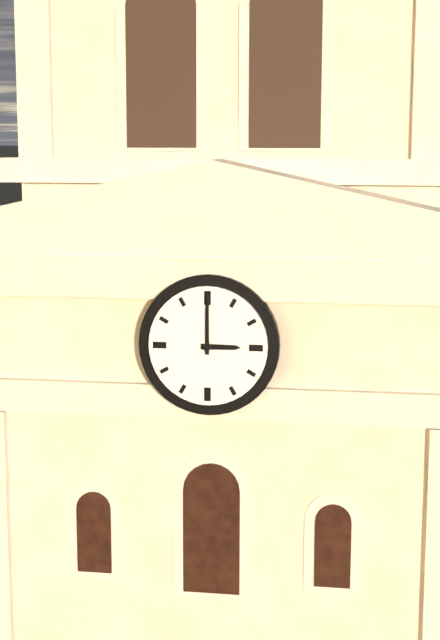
3:00
